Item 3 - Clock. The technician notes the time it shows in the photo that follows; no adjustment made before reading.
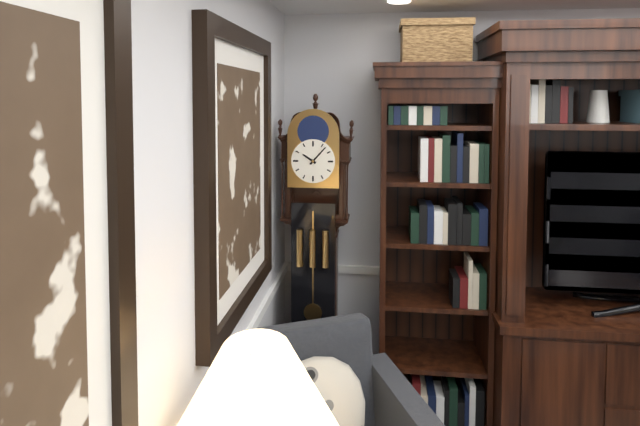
10:07
